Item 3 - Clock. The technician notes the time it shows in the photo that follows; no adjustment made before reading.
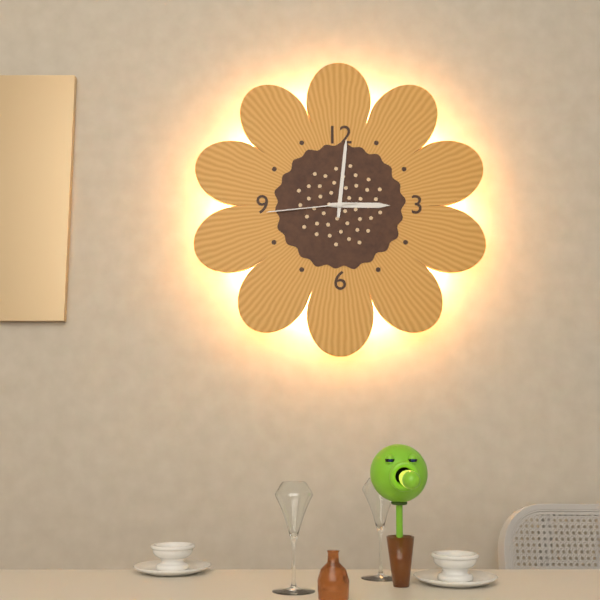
3:01:44
